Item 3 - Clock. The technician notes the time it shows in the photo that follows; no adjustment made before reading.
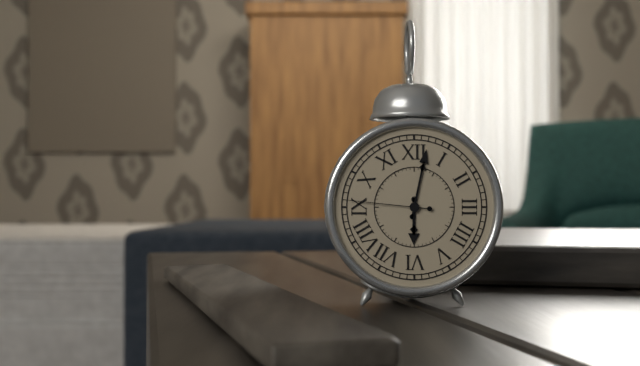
6:02:46
